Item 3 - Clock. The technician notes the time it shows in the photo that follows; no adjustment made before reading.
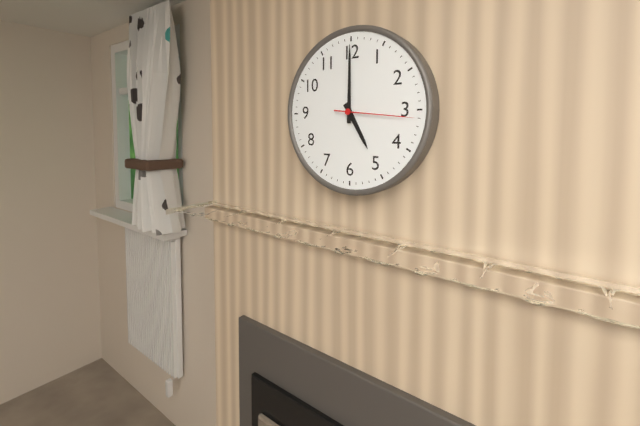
5:00:16
